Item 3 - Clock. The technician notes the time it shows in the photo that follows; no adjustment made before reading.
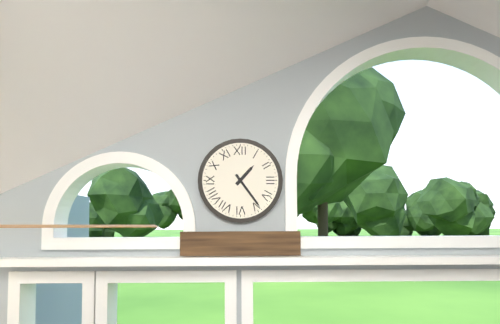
1:24
